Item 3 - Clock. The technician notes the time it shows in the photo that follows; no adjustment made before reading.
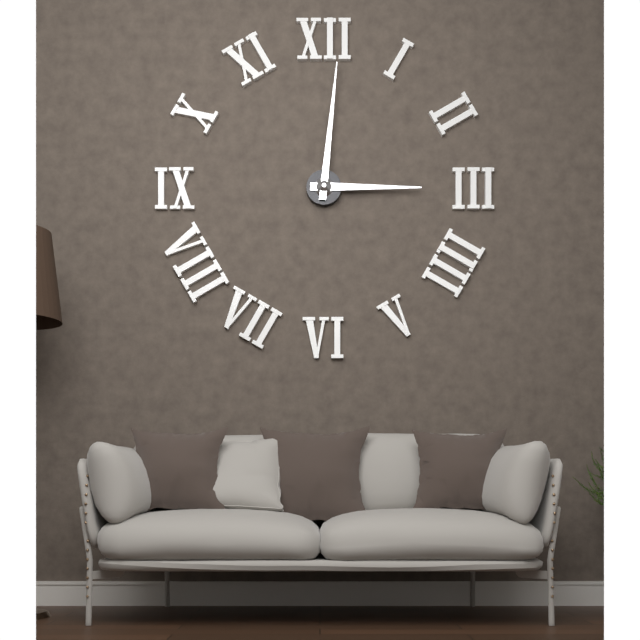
3:01
